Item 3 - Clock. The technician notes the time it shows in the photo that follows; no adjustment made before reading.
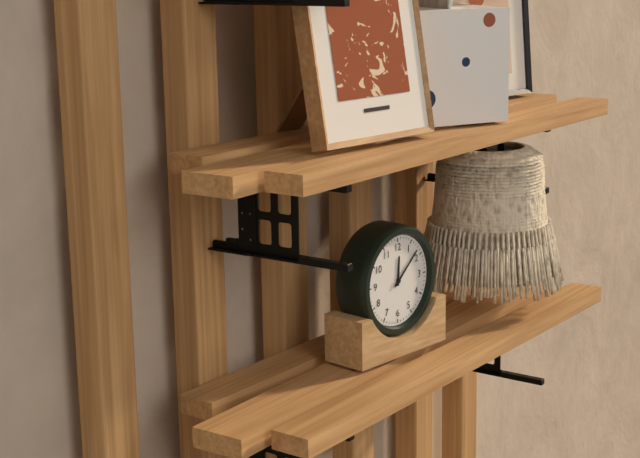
12:08
